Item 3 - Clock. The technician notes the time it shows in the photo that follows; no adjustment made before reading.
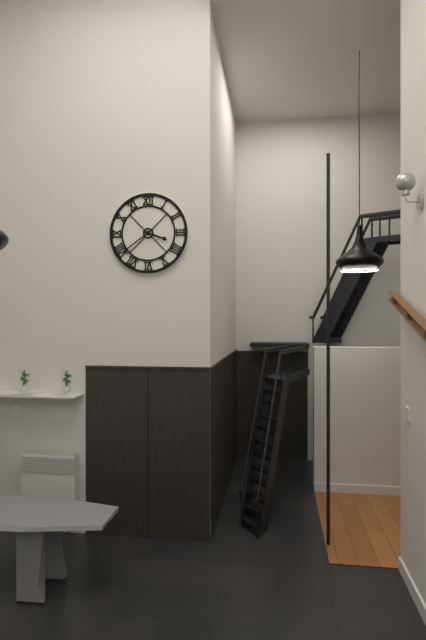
3:39
